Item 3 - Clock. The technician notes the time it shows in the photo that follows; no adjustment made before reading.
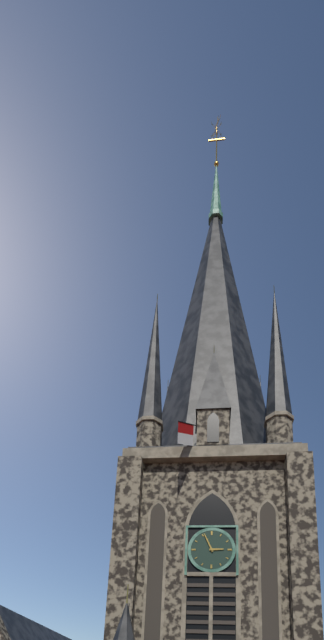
2:56
